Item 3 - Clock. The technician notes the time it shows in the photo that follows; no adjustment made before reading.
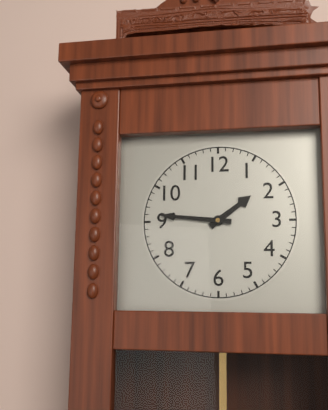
1:46
